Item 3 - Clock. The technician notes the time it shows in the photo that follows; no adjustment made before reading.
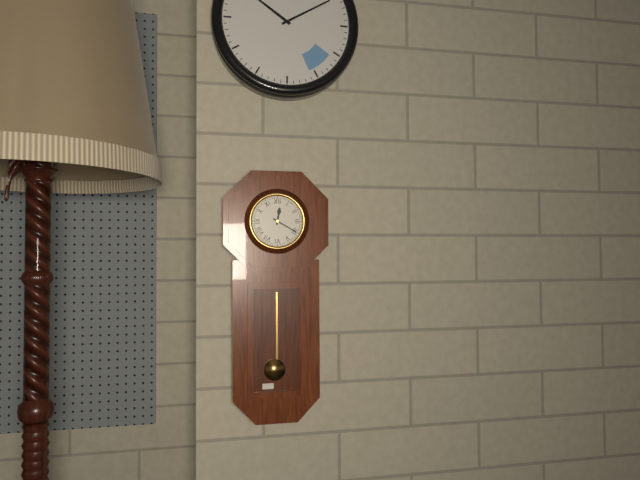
12:20
